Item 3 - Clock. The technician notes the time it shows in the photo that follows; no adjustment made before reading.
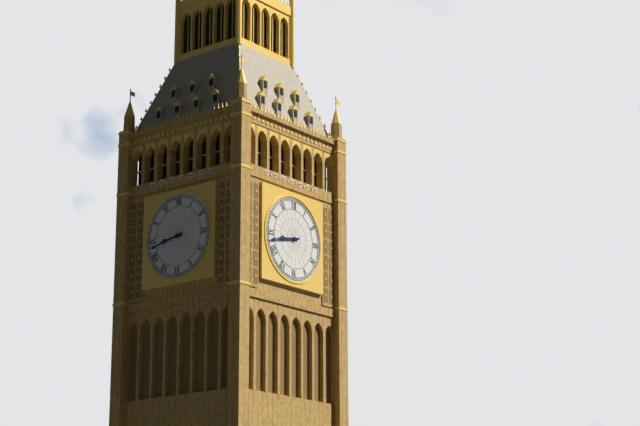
8:43
